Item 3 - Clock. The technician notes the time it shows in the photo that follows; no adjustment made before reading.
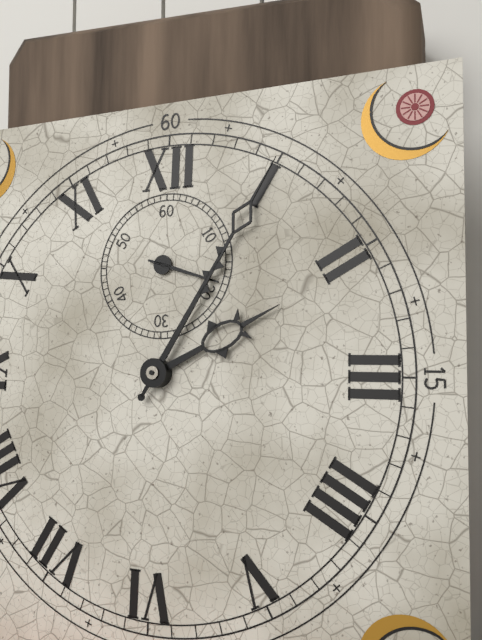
2:05:18
